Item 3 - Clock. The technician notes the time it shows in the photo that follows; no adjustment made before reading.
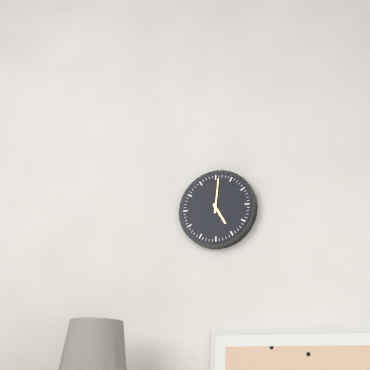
5:01
